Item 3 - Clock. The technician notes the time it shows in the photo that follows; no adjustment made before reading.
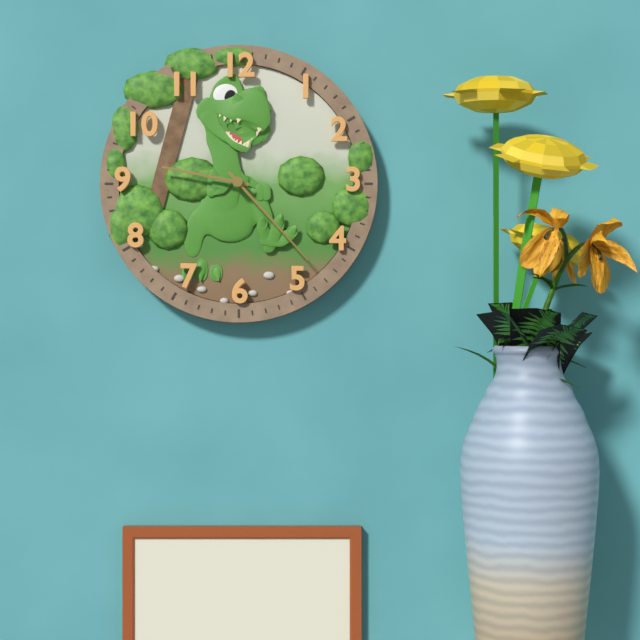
9:23
